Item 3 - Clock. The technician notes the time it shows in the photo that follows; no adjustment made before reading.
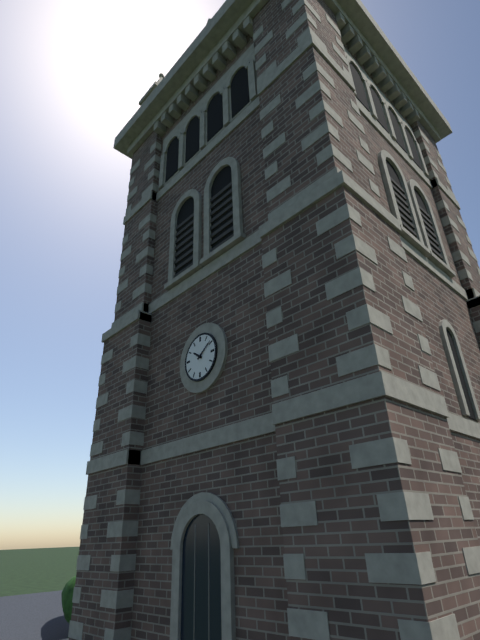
10:09
